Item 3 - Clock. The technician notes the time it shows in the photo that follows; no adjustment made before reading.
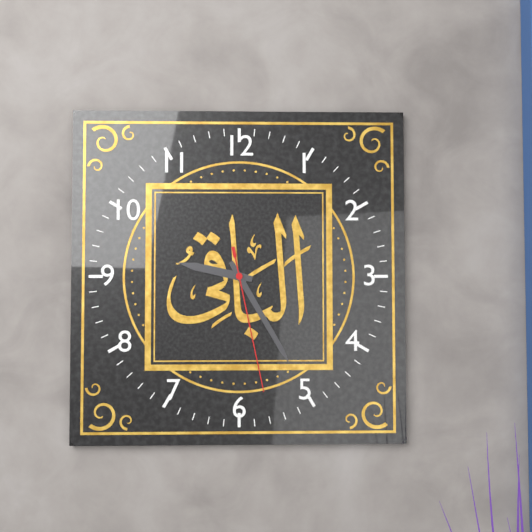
9:25:28
